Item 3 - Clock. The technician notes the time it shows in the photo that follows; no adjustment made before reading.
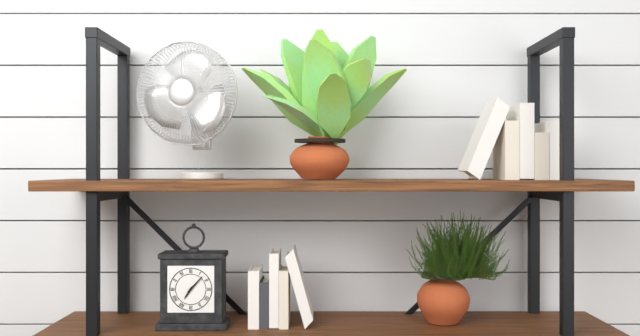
7:07
